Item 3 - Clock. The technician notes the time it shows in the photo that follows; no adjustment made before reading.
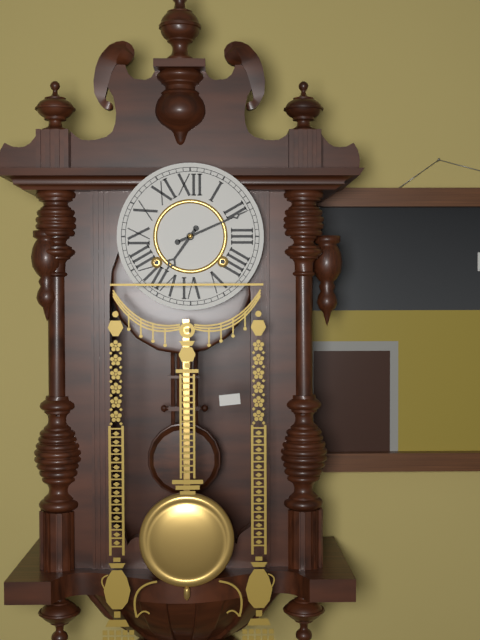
7:11
